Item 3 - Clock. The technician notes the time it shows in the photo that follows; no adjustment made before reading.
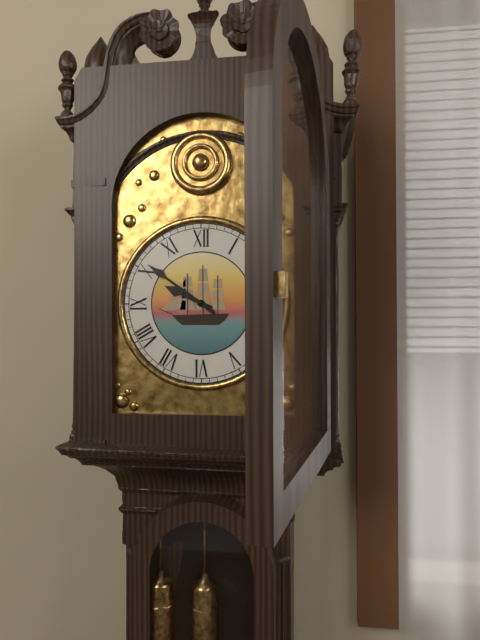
9:51
